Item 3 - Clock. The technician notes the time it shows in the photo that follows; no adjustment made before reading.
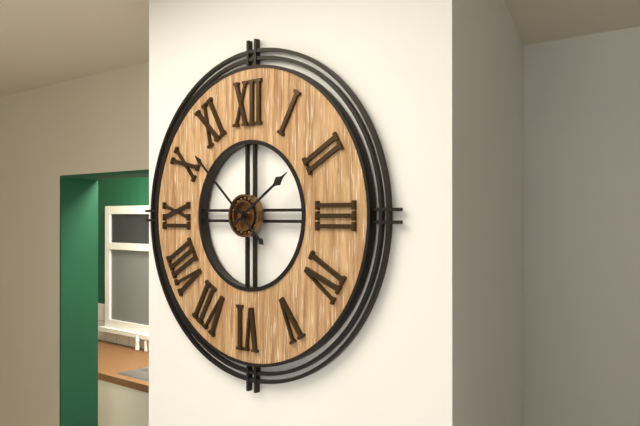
1:52
